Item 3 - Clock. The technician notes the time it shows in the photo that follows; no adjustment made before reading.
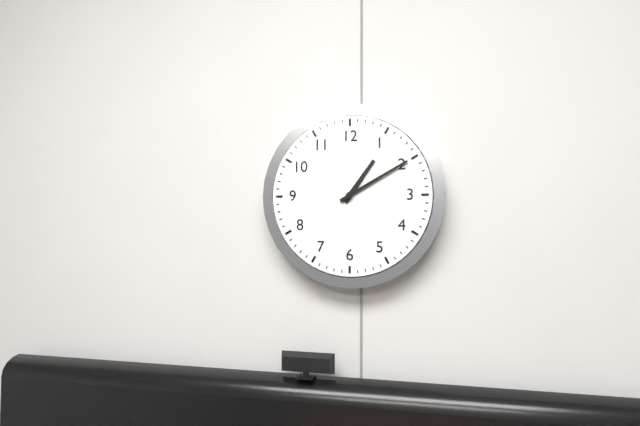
1:10
